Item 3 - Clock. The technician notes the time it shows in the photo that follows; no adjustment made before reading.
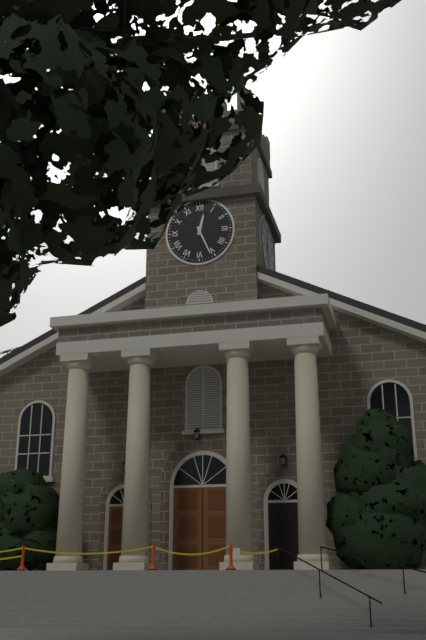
12:26
